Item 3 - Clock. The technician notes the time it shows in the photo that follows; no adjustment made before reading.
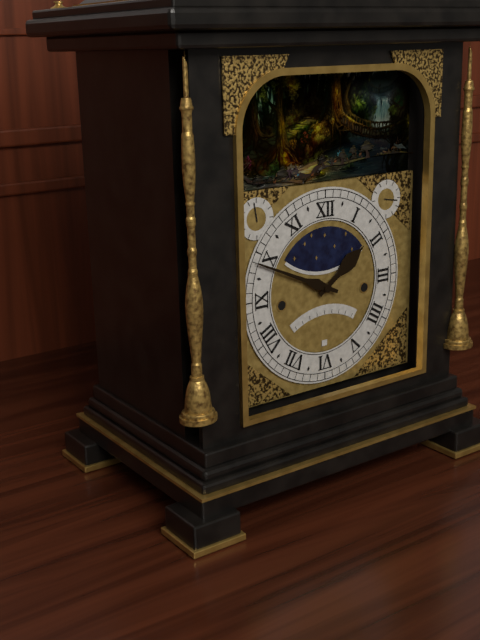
1:49
